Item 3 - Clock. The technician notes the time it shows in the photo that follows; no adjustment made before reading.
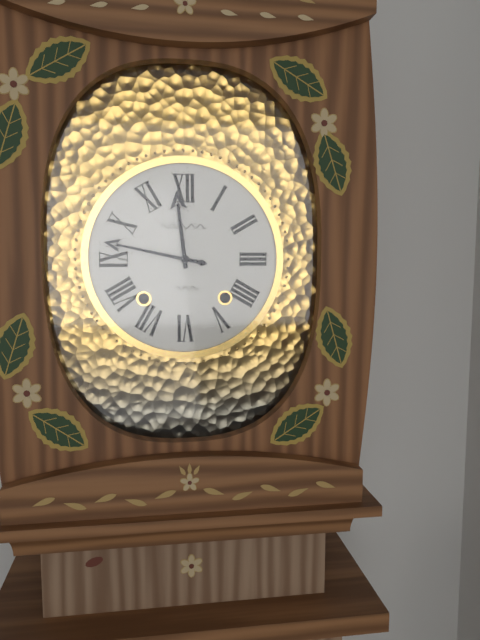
11:47
